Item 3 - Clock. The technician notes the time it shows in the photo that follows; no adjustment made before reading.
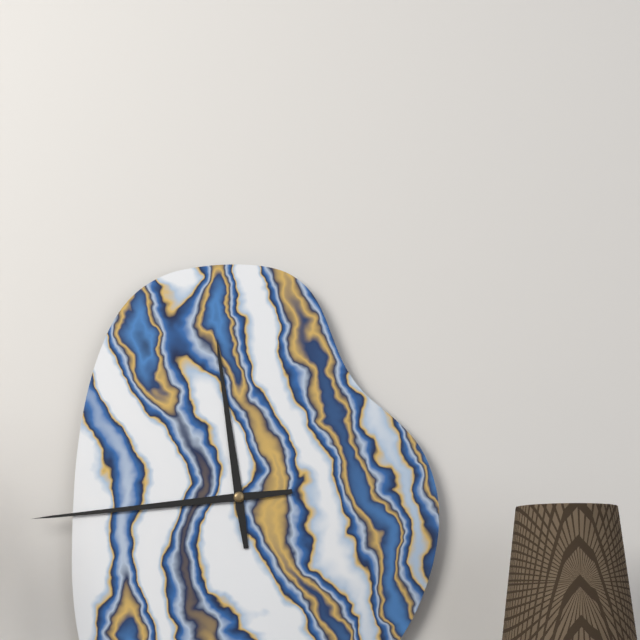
11:44
